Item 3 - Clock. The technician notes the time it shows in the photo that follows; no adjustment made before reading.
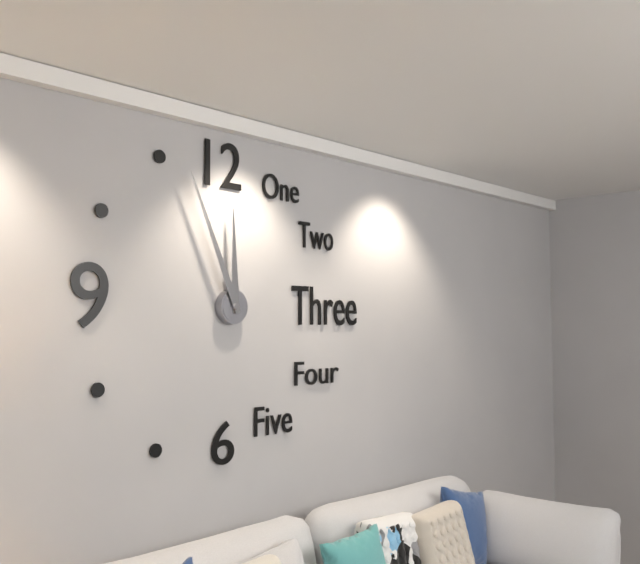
11:56
